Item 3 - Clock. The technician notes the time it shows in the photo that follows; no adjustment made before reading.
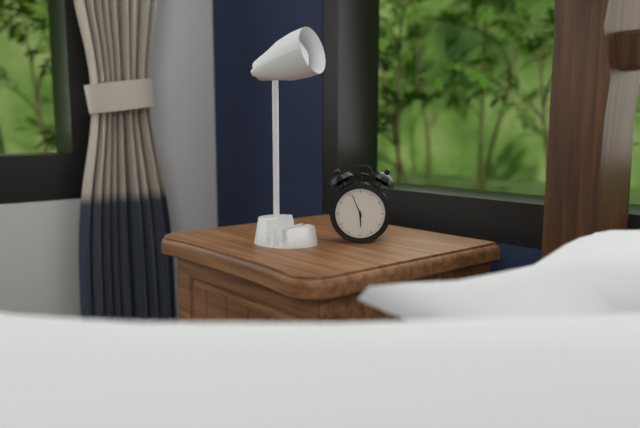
5:56
